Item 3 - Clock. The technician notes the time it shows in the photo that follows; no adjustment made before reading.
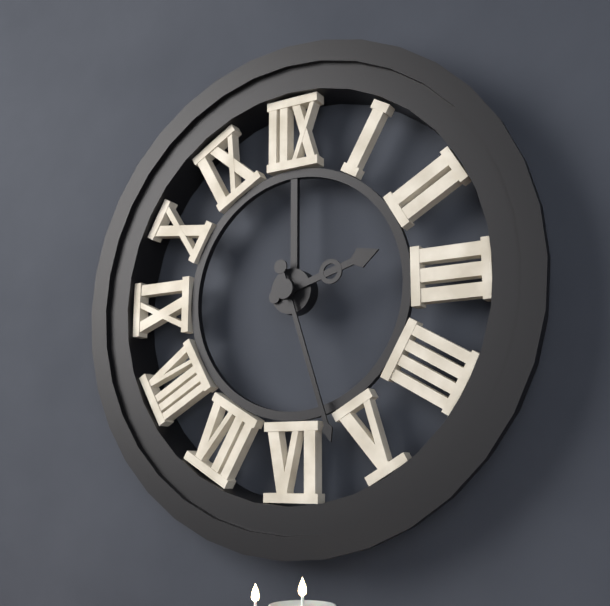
2:27
